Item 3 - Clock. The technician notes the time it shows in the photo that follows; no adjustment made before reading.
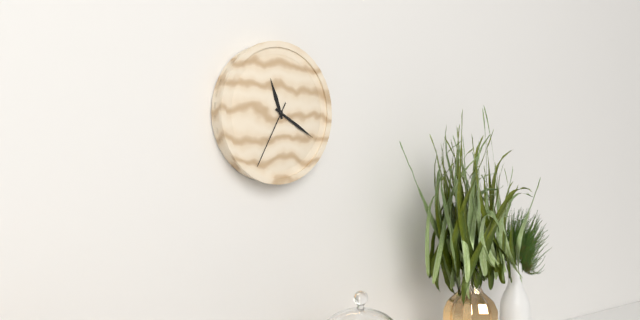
11:20:35
